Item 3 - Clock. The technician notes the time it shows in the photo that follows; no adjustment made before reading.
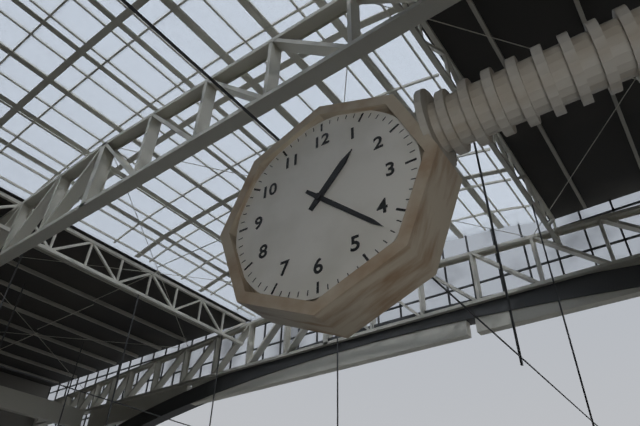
1:22
